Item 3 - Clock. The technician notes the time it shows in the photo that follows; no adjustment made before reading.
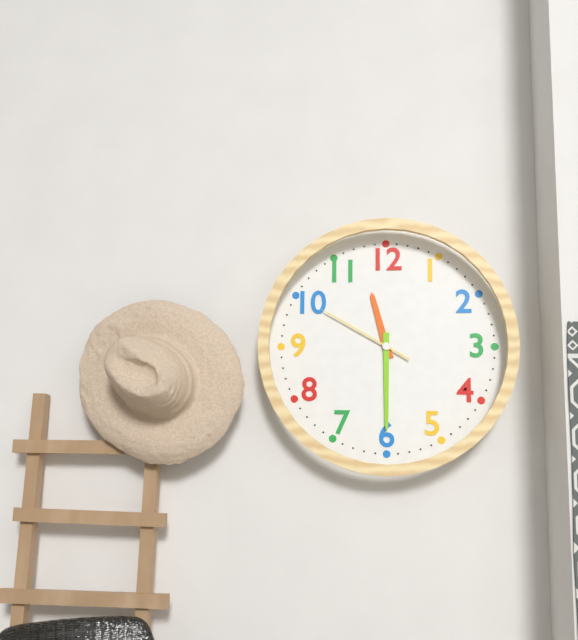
11:30:50
